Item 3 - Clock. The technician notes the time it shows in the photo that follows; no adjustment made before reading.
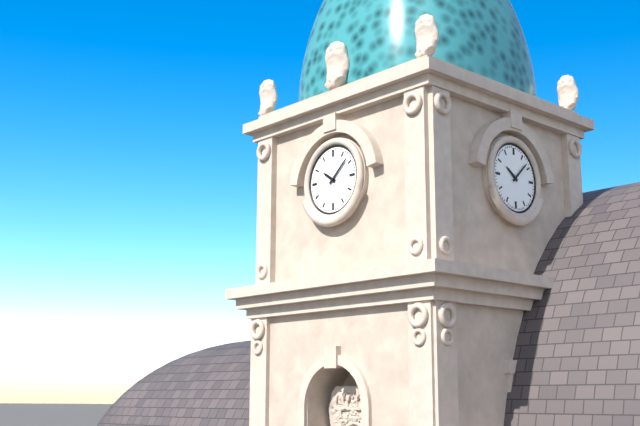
10:08
